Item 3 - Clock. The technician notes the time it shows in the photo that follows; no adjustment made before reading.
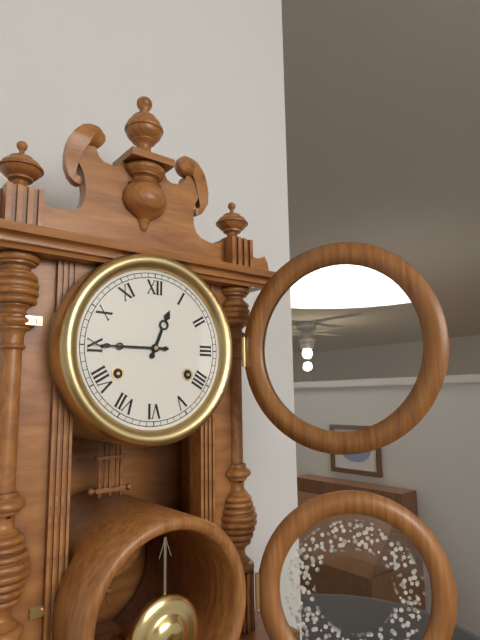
12:45
